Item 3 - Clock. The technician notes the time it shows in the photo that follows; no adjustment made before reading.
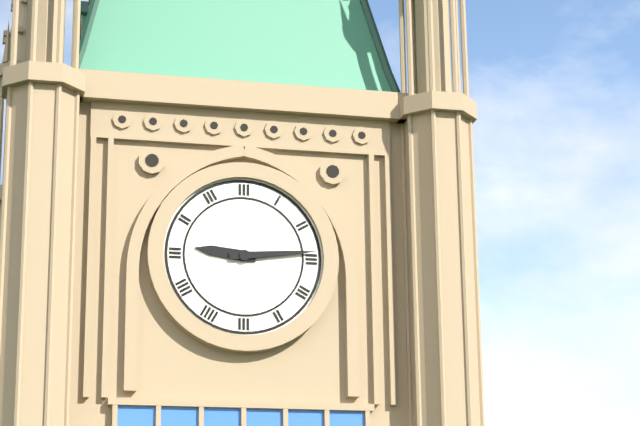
9:14
